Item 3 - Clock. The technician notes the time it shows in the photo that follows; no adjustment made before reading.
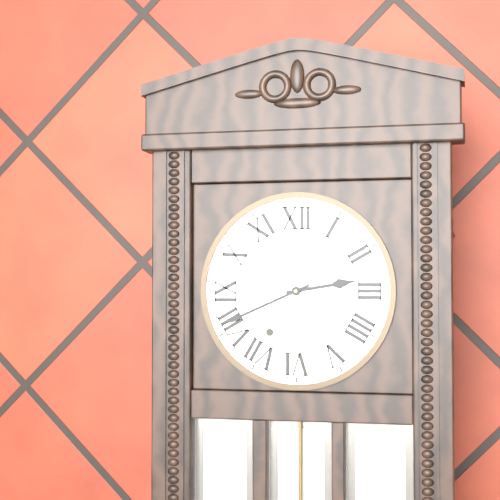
2:41
